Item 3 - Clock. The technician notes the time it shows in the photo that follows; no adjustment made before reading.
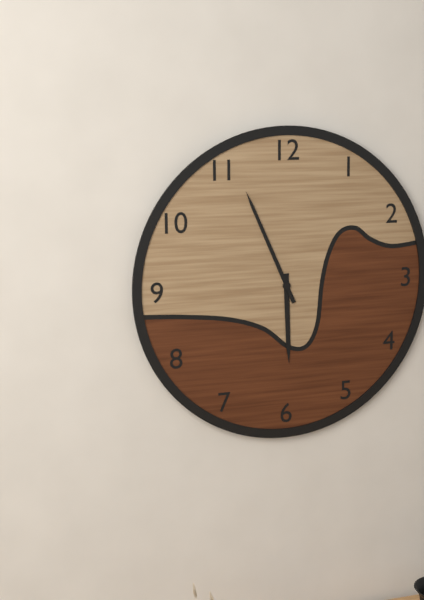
5:56
